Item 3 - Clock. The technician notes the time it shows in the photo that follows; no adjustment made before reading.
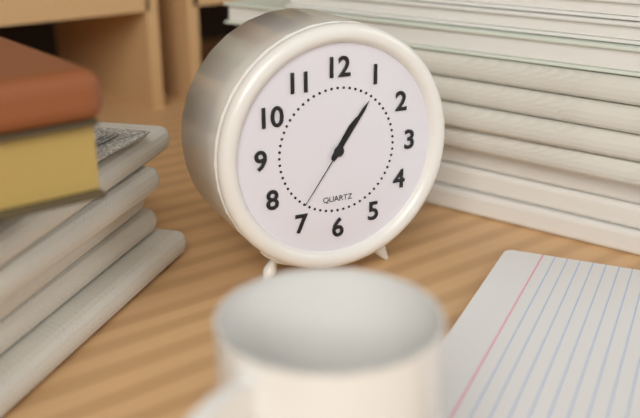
1:06:36
